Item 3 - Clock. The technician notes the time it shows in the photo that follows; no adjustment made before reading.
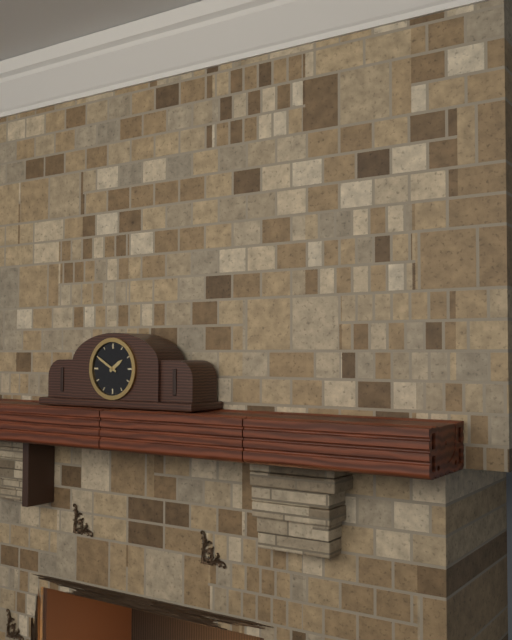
1:50
